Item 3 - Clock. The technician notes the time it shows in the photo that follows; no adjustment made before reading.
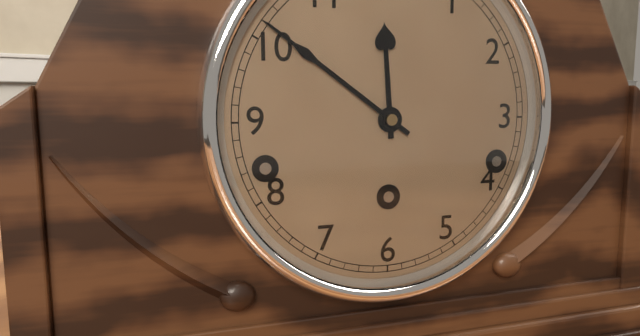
11:51
